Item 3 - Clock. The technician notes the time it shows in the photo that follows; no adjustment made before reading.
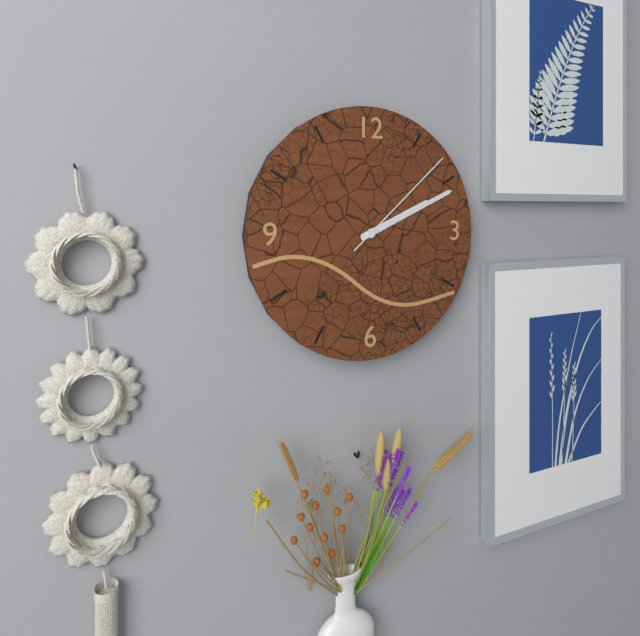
2:11:08
